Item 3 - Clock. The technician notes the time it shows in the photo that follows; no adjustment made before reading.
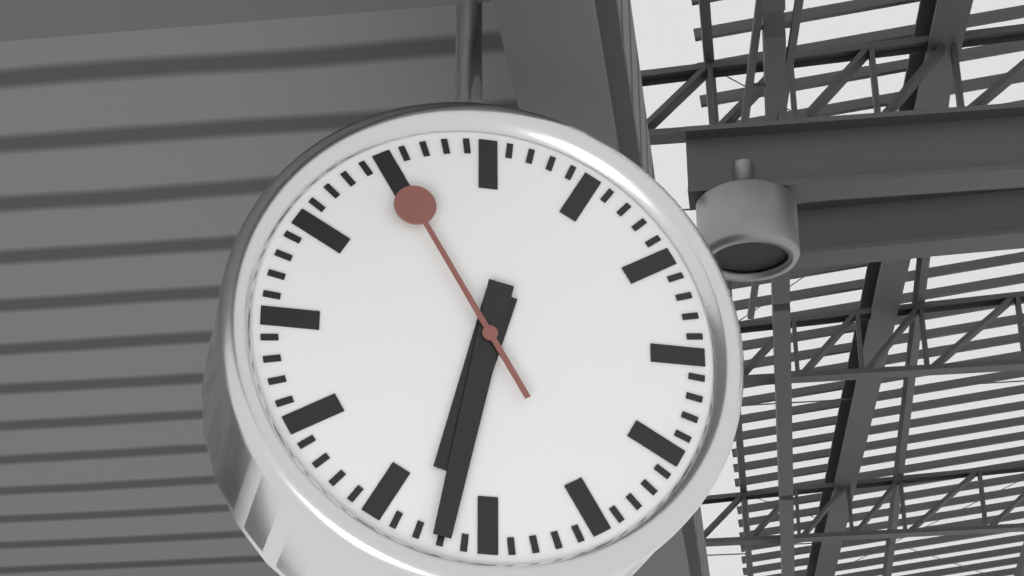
6:32:55
